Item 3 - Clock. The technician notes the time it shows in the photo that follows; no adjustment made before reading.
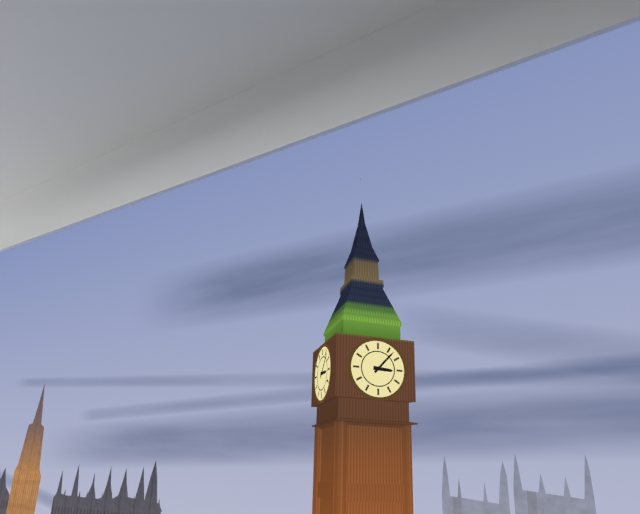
3:07
